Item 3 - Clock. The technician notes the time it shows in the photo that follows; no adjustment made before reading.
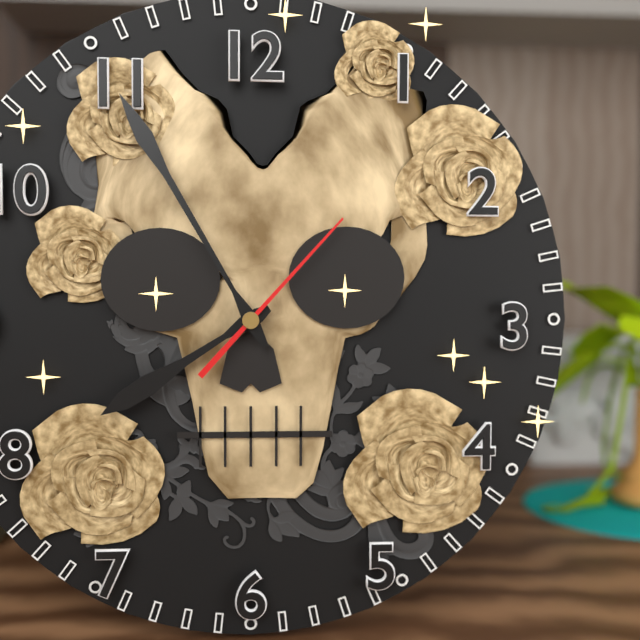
7:55:07
